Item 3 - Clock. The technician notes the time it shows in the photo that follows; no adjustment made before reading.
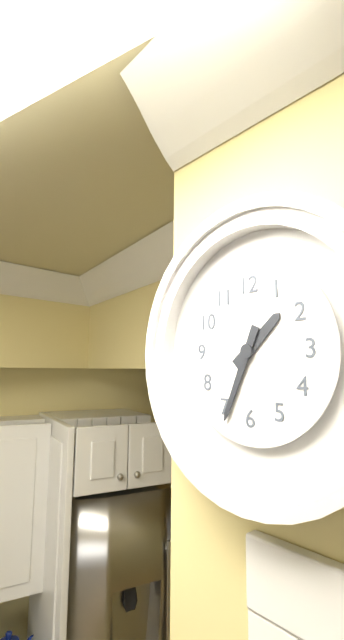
1:34
